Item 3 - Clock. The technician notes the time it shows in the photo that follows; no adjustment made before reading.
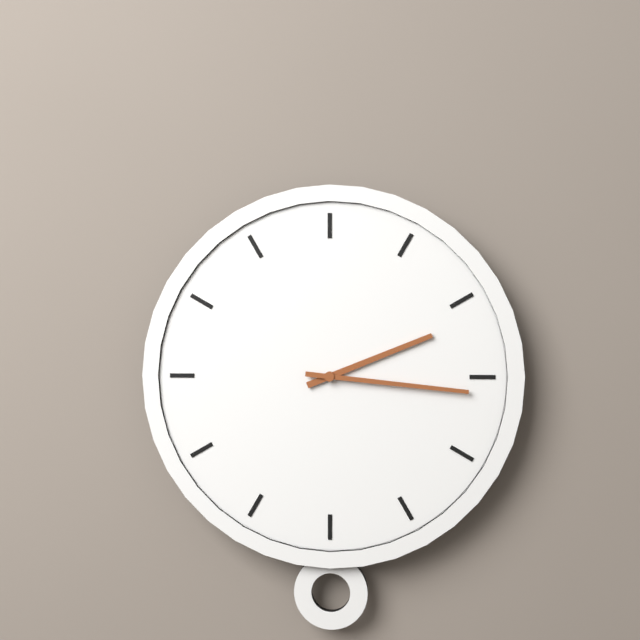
2:16
